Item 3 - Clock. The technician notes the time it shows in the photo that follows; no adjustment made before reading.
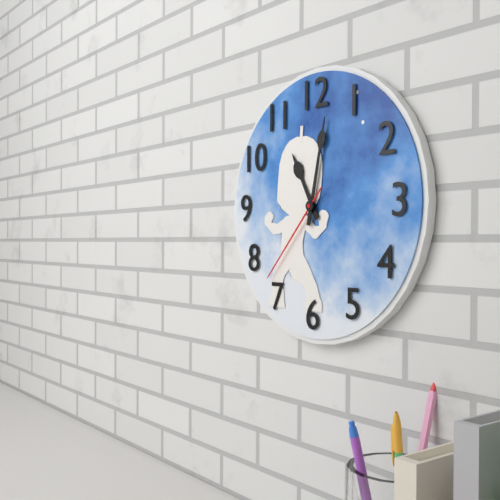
11:02:37
